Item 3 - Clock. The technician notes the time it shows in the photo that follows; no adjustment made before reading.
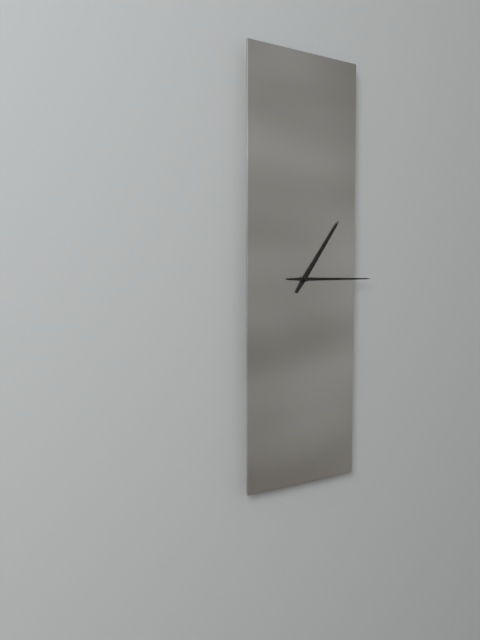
1:15
